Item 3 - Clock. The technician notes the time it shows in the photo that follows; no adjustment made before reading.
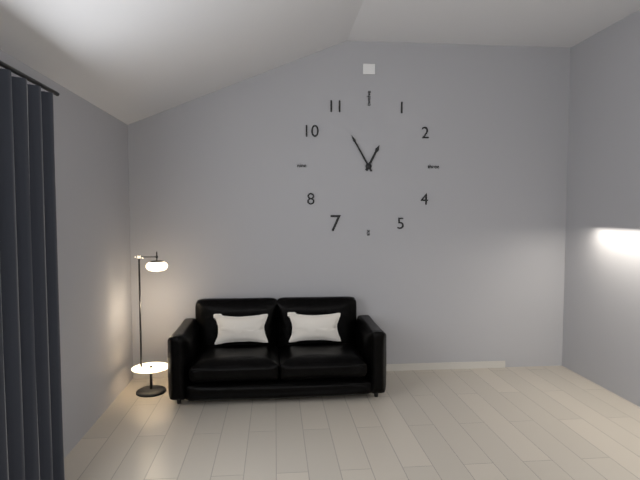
12:55
